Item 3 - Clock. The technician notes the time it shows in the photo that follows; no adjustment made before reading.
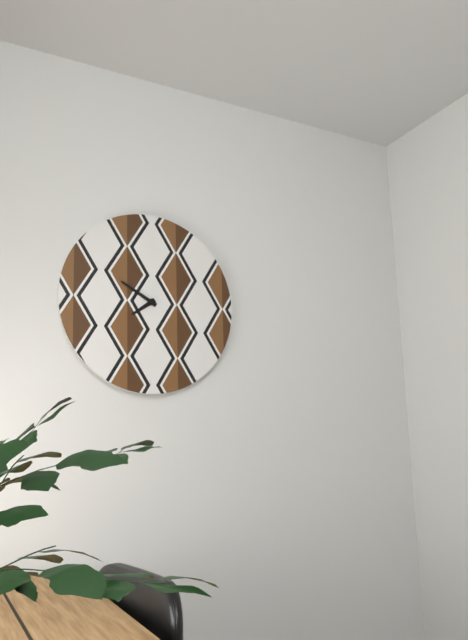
7:50
